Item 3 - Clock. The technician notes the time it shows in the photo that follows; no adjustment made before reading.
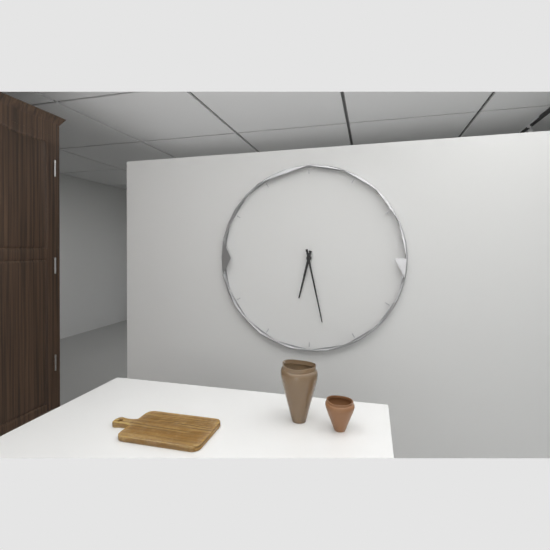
6:28
